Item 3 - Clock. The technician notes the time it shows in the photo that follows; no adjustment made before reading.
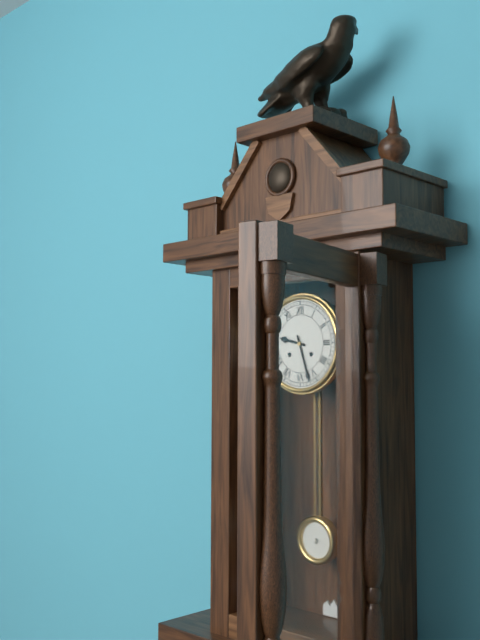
9:27
